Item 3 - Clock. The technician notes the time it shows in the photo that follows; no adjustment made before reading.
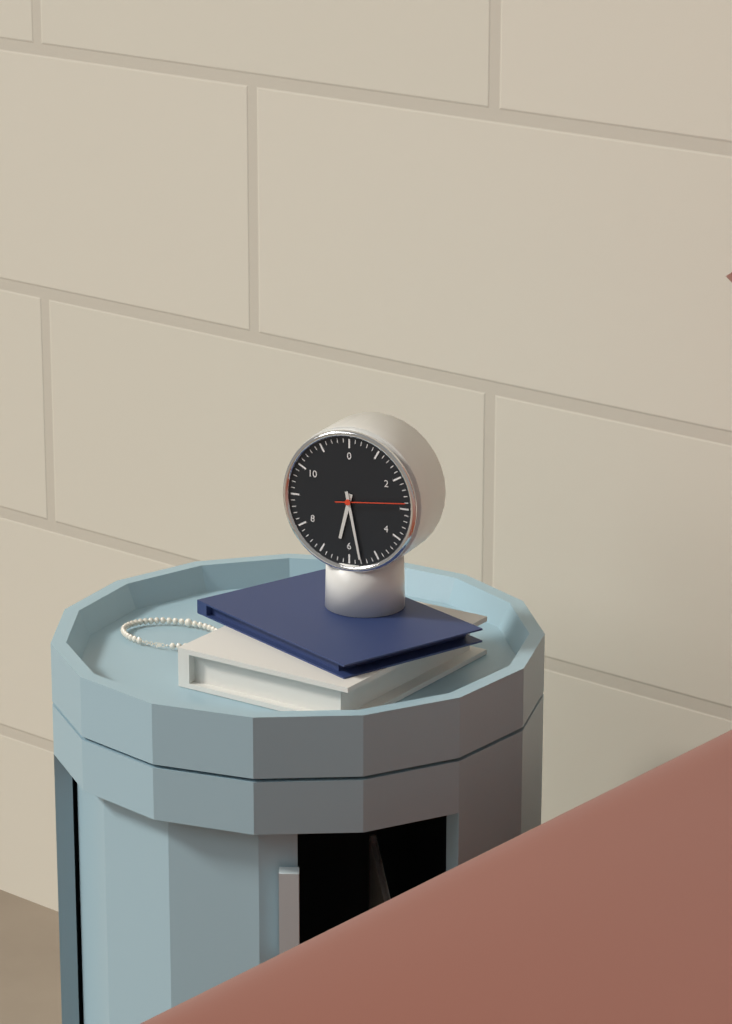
6:28:14
